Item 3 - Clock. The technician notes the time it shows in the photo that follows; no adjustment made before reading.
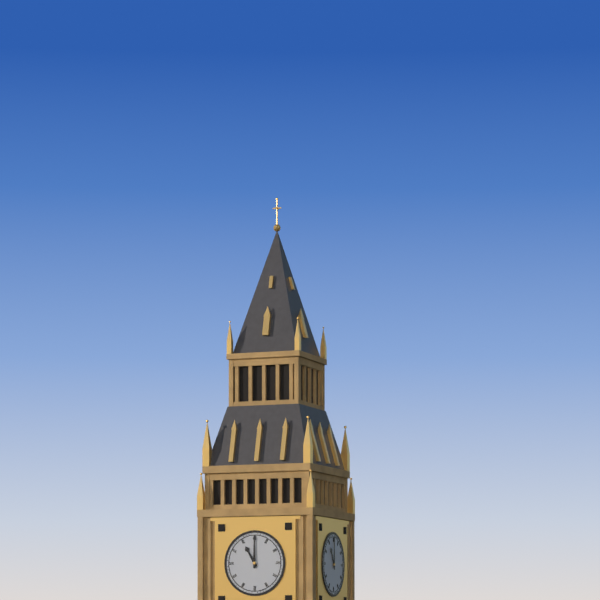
11:00
